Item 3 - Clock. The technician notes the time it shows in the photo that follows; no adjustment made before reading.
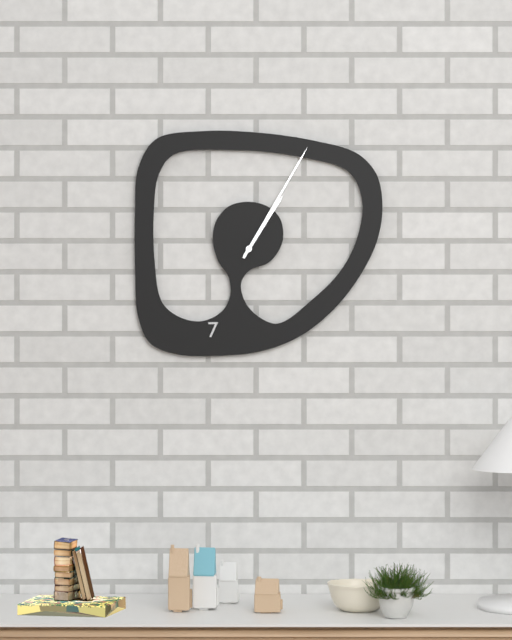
1:05
